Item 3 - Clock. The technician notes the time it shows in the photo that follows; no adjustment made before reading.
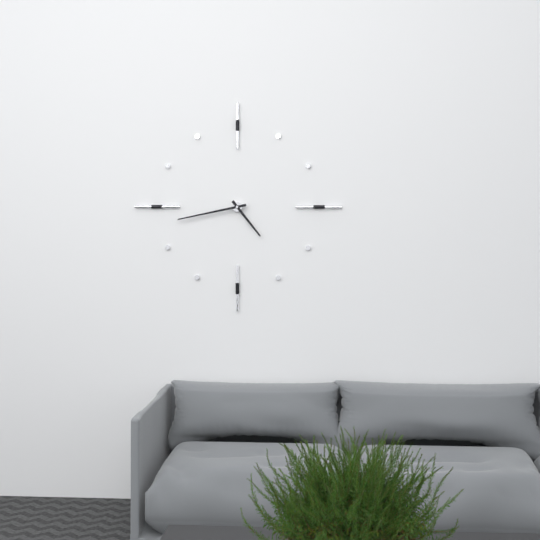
4:43
